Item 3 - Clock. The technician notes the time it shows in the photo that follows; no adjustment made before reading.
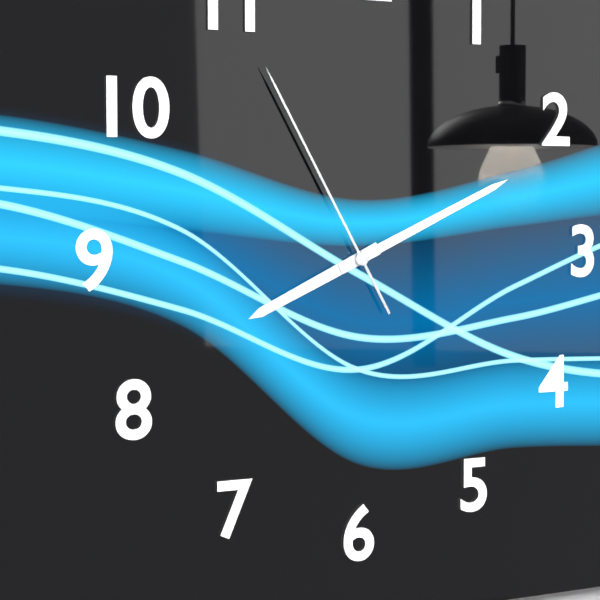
8:11:55
